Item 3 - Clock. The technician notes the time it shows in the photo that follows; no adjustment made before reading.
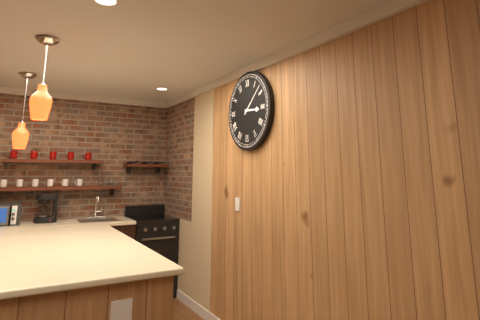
3:08
